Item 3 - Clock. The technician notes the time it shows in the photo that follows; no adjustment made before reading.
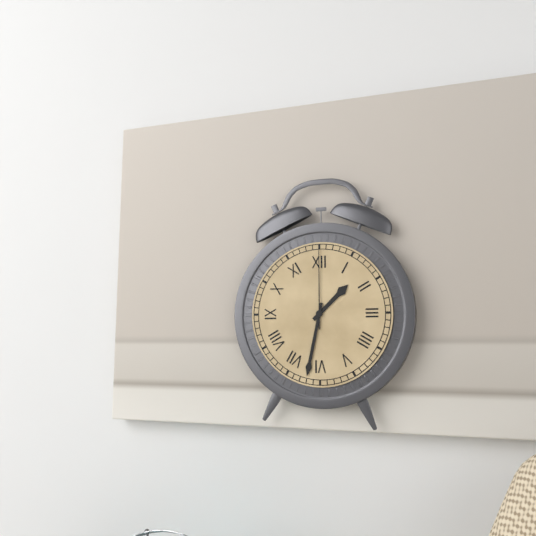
1:32:00
